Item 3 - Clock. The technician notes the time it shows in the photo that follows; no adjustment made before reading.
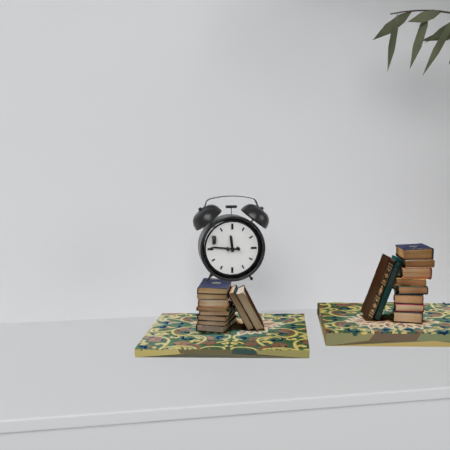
11:46
